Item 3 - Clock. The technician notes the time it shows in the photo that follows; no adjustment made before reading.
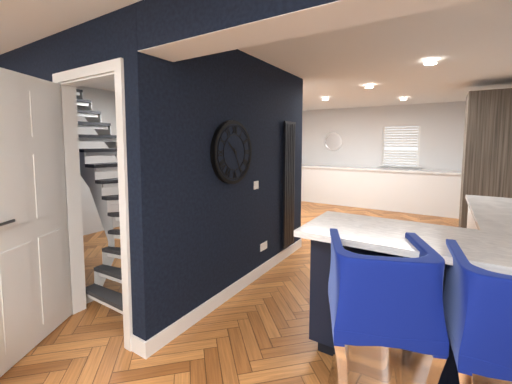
10:26
